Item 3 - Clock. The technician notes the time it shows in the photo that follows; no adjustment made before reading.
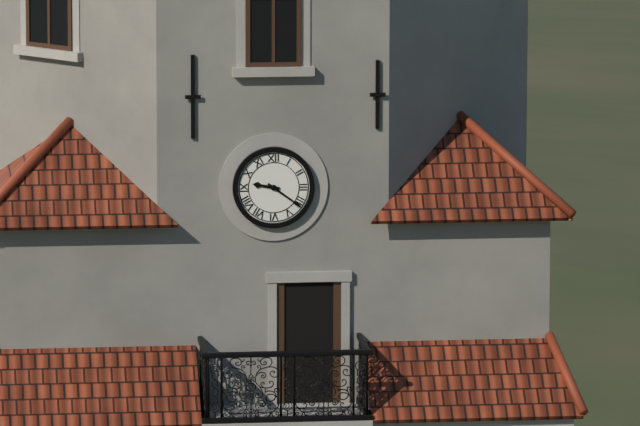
9:21
